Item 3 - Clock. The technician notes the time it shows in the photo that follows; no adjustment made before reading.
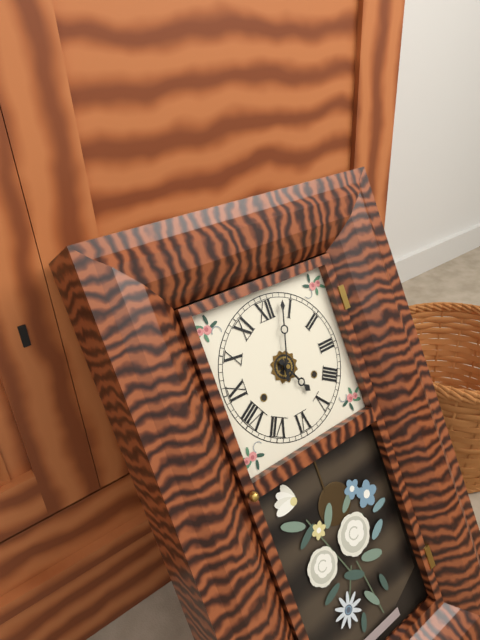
5:03
